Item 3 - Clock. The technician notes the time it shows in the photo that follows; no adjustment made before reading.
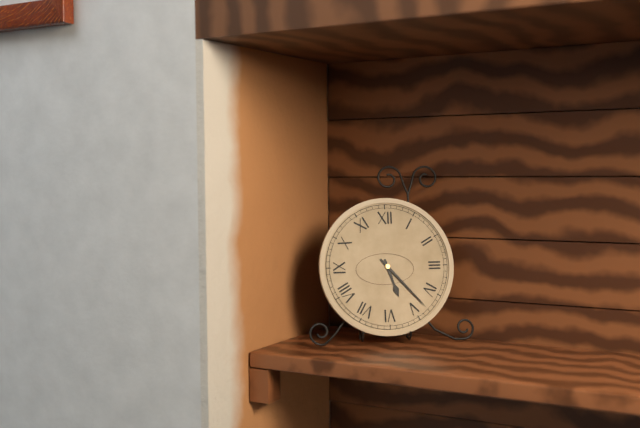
5:23
